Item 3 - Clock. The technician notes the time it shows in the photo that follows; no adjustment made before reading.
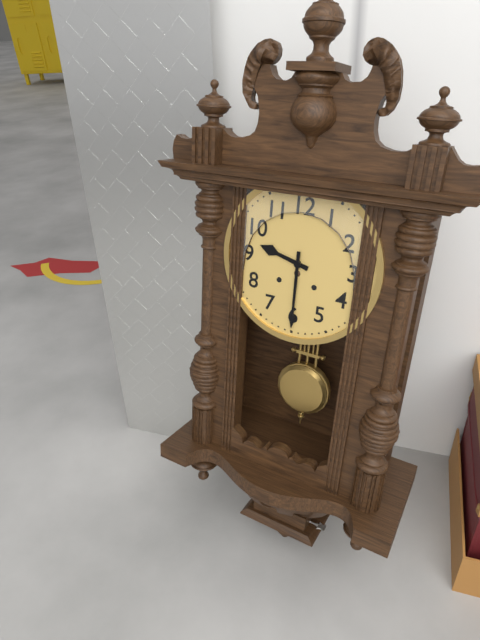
9:30
